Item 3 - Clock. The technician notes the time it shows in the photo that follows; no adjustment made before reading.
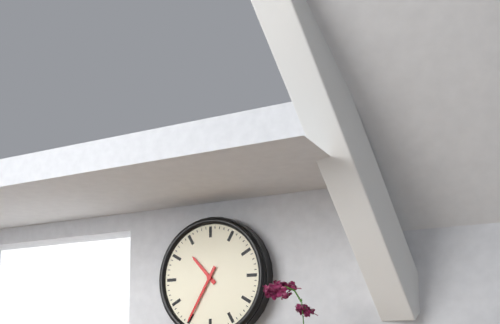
10:35
